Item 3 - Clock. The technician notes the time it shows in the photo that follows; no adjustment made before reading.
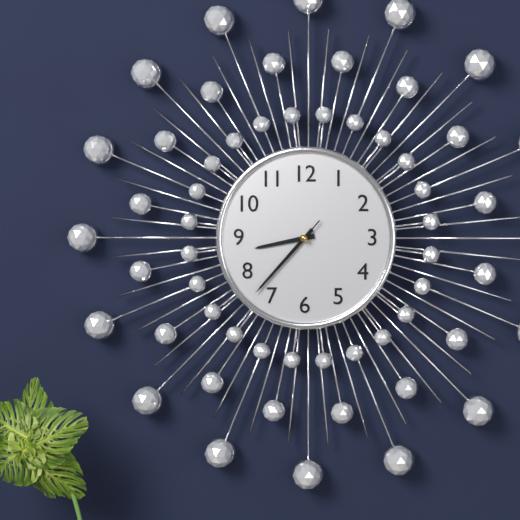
8:37:37
